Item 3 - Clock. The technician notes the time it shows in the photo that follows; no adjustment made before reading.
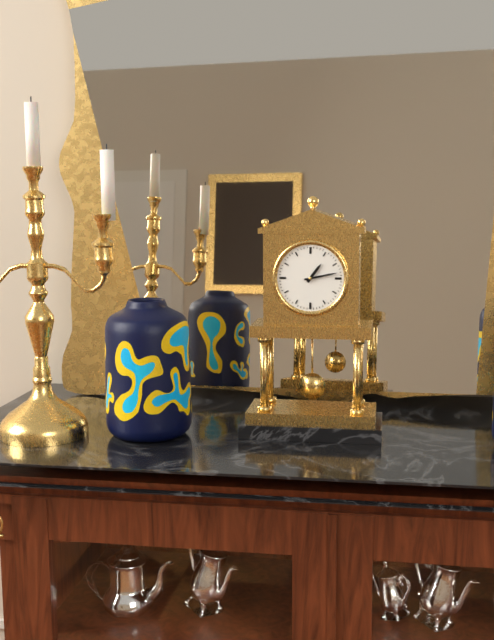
1:13
